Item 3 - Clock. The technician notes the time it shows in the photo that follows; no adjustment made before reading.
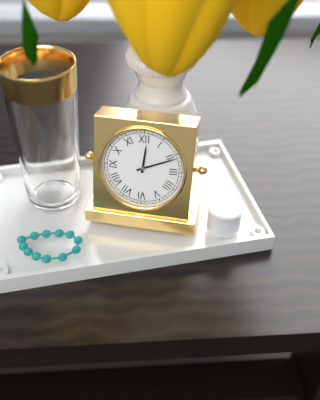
12:11
